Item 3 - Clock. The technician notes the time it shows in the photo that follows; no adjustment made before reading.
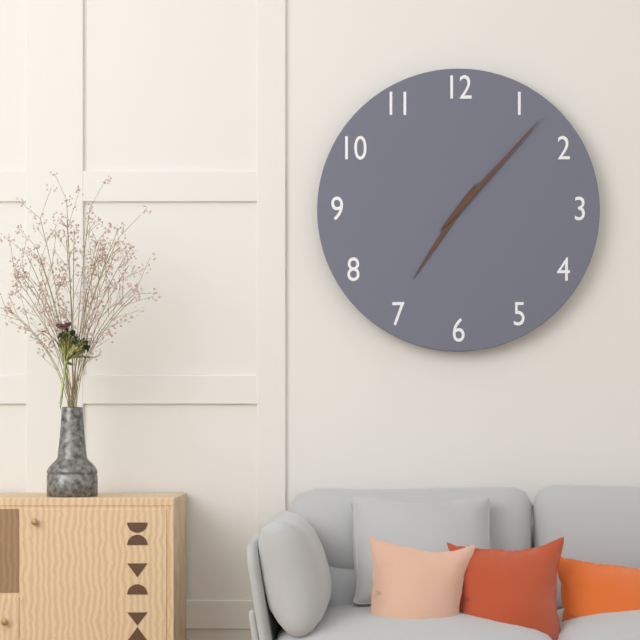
7:07
